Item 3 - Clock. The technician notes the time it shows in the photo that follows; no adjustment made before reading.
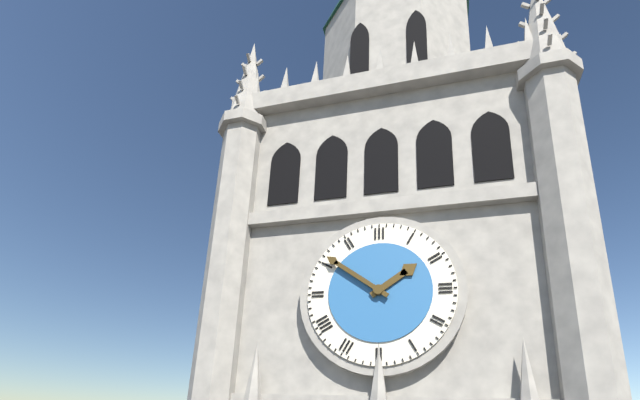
1:51
